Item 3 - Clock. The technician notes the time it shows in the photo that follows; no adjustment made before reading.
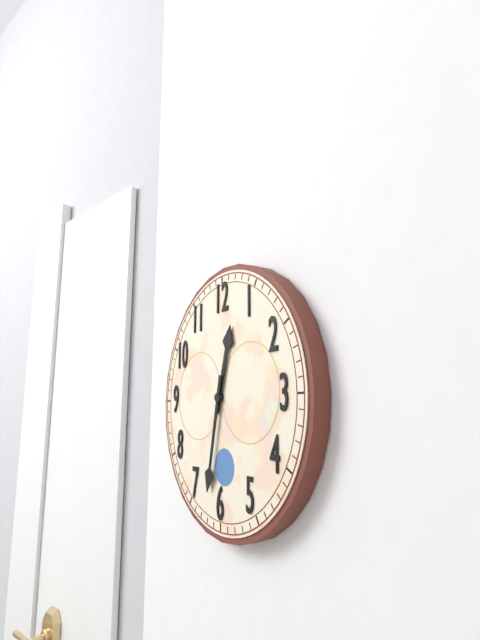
12:32
